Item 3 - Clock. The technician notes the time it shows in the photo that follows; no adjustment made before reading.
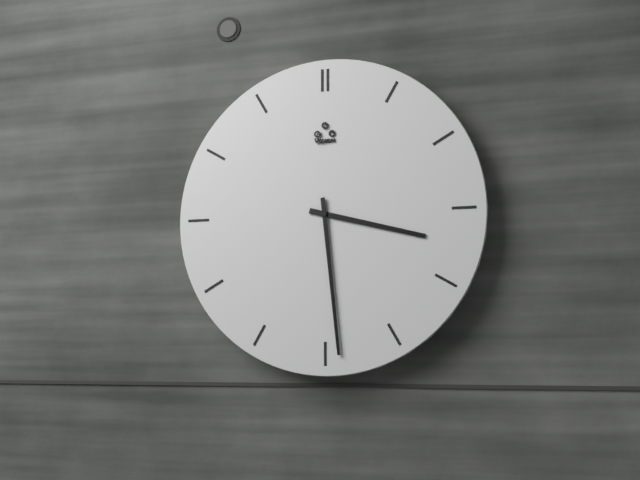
3:29
